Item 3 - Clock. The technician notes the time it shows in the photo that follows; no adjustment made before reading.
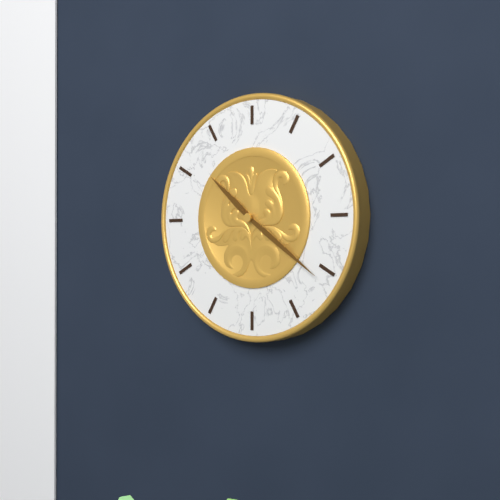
10:21
